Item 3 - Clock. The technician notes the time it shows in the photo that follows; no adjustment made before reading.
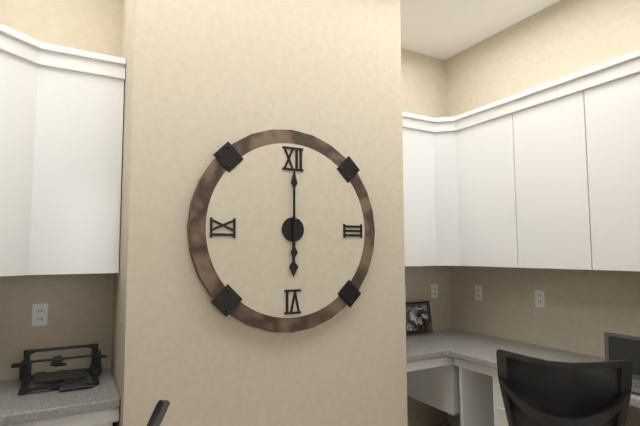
6:00
